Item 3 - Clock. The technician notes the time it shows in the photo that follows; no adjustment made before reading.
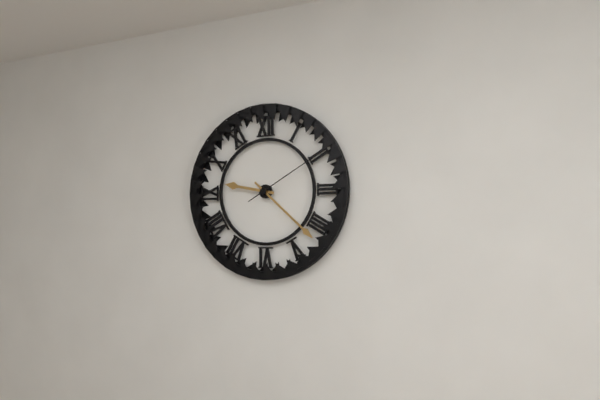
9:22:10
